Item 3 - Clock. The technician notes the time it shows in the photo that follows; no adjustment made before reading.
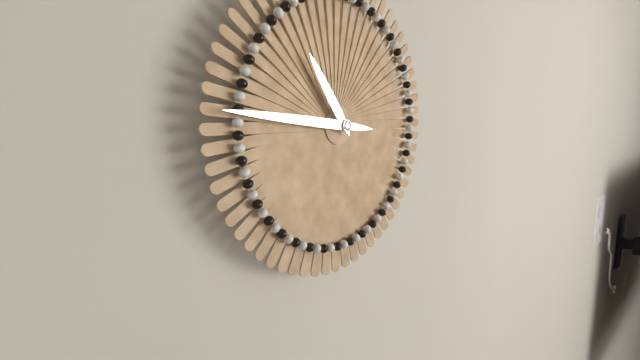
10:46
